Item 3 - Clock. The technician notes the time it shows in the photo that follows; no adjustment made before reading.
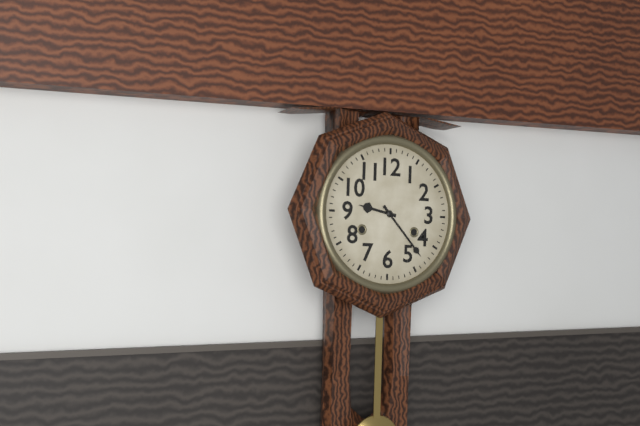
9:23
